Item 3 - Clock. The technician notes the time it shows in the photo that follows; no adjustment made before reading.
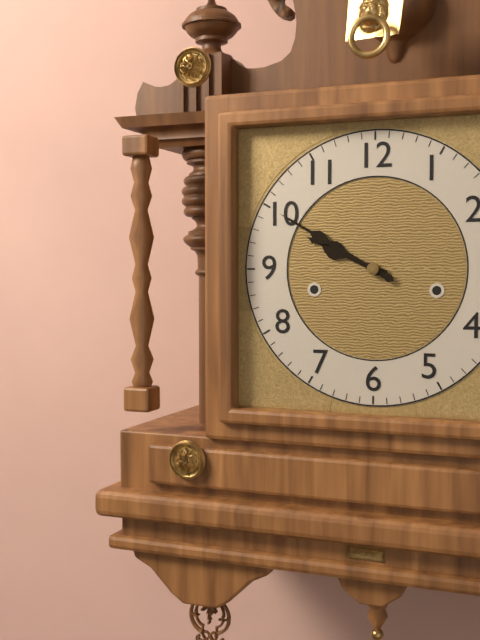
9:50
